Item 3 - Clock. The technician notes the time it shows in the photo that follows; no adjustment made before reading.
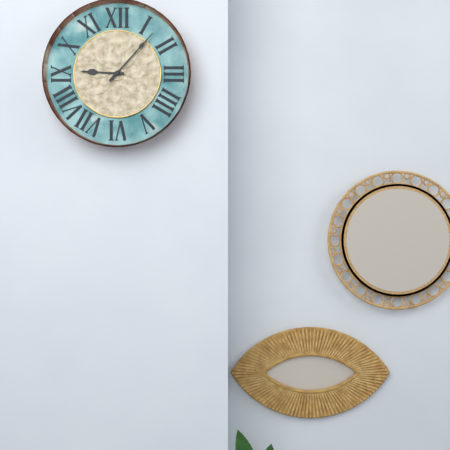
9:07
